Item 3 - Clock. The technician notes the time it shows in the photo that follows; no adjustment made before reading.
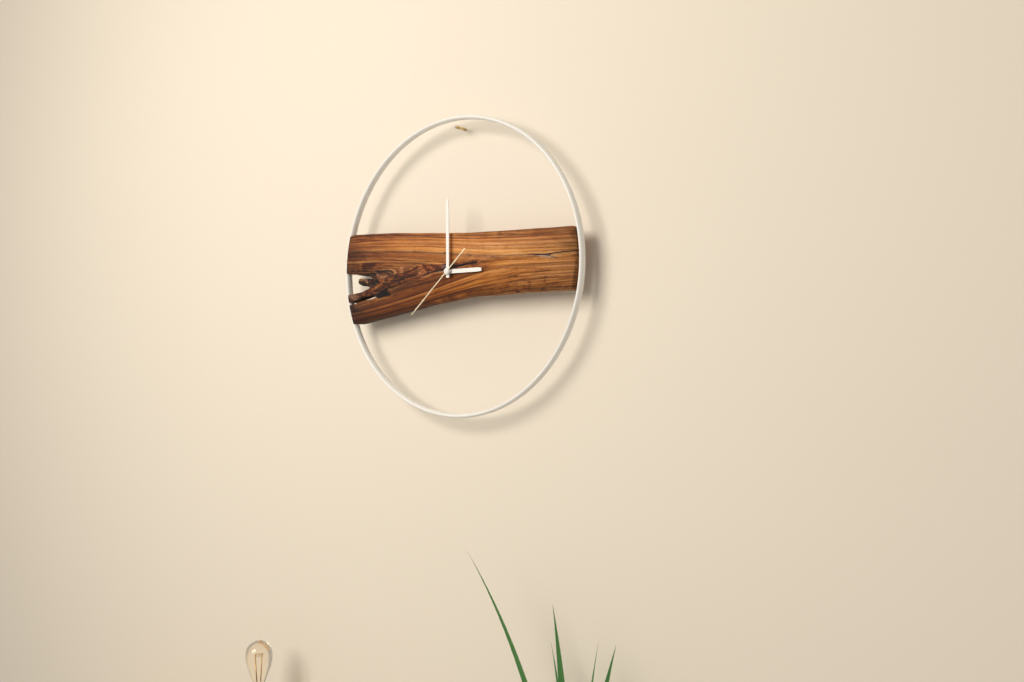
3:00:38
